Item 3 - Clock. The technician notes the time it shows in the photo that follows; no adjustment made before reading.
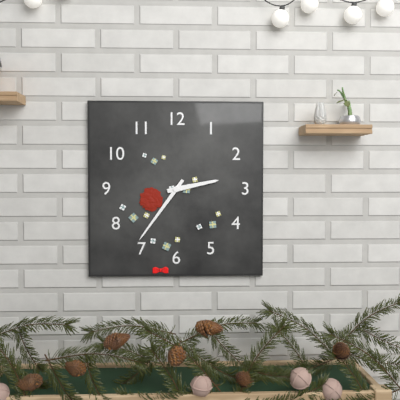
2:36
